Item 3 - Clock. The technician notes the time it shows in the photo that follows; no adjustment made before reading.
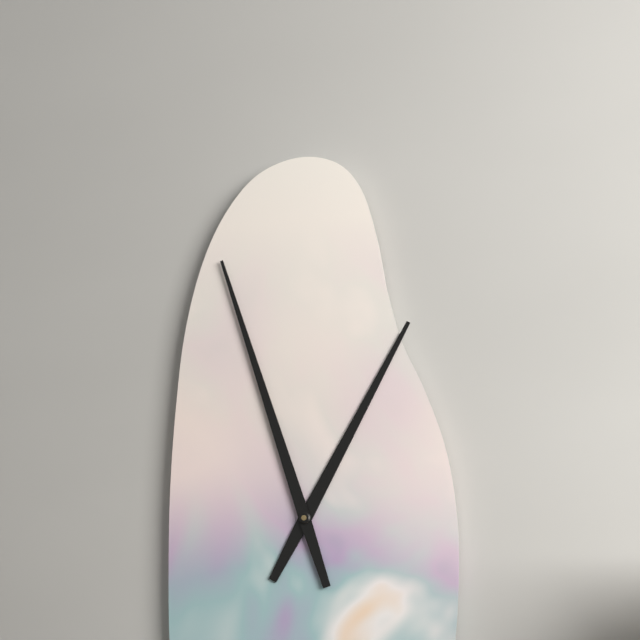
12:57
